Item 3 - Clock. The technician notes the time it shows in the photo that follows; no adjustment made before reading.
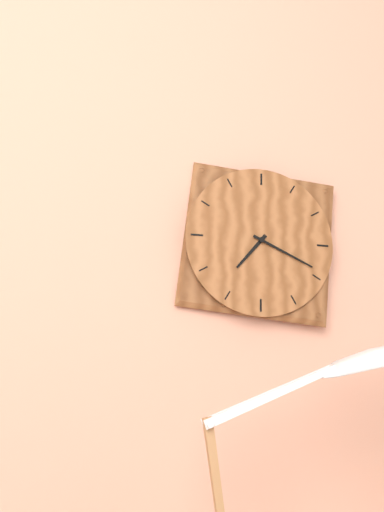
7:19
